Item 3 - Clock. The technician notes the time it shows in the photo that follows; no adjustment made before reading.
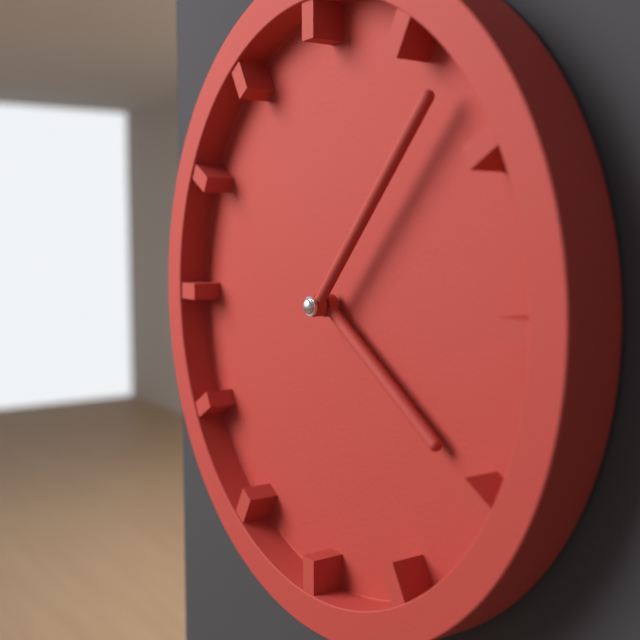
4:07
